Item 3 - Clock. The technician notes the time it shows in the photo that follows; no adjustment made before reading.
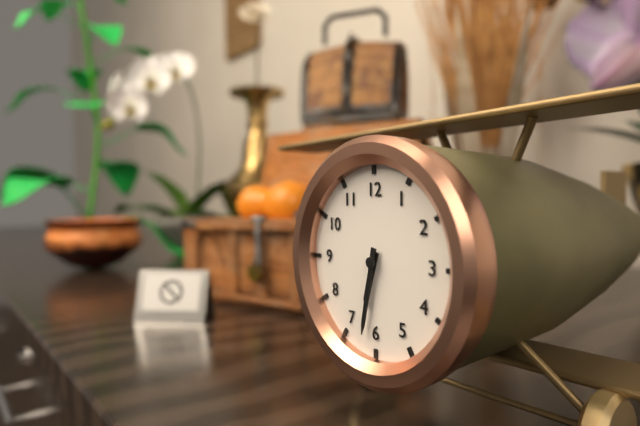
6:32
